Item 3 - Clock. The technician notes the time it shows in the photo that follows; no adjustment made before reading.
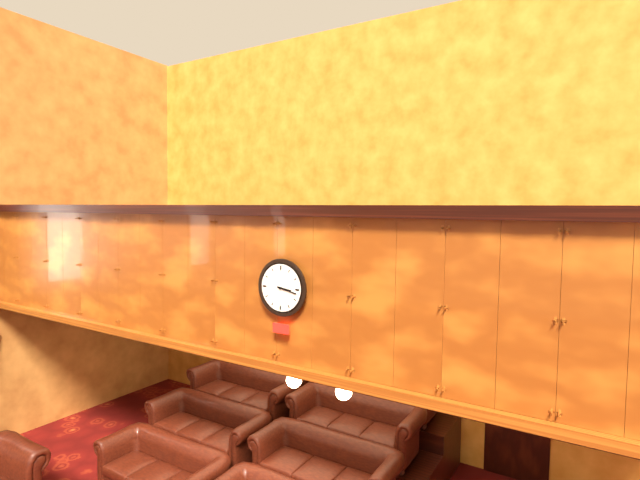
3:17
